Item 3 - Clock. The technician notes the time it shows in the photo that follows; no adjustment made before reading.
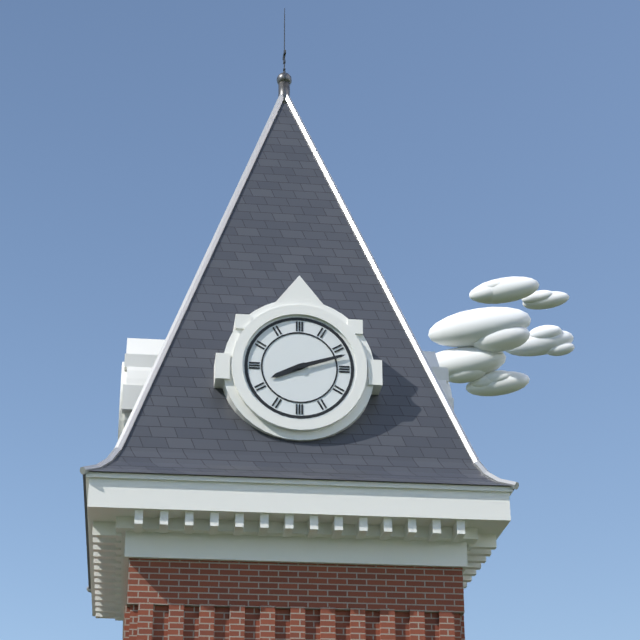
8:12
